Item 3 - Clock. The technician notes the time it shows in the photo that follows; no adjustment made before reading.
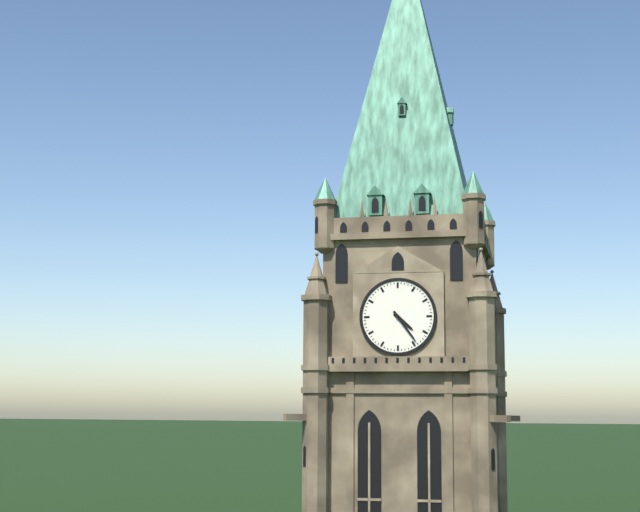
4:24
